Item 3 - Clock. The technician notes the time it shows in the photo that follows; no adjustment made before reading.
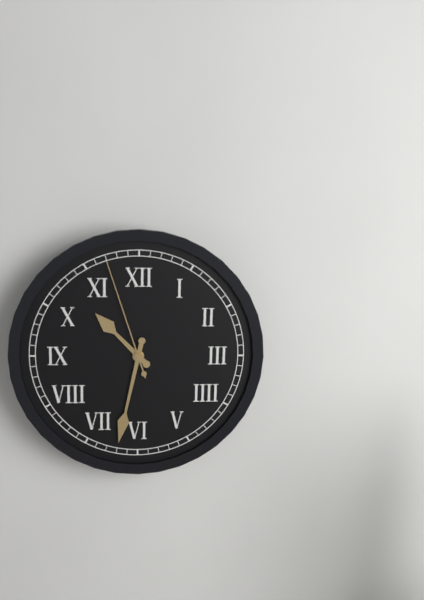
10:32:57
